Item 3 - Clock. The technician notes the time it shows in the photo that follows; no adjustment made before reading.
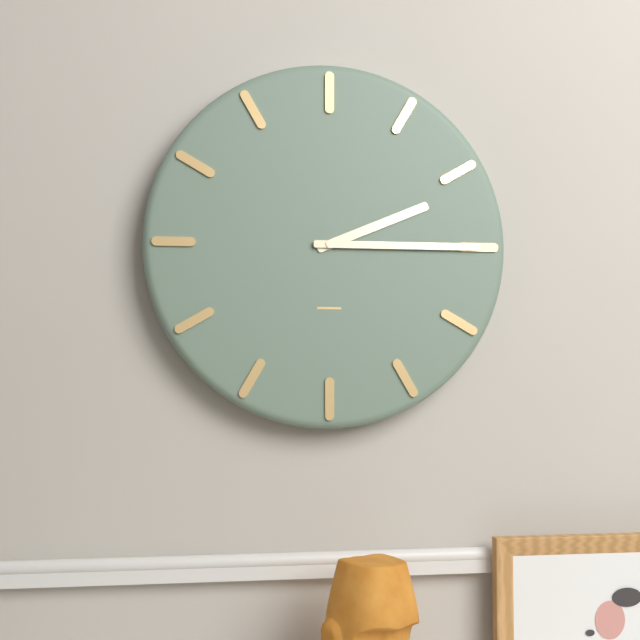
2:15
